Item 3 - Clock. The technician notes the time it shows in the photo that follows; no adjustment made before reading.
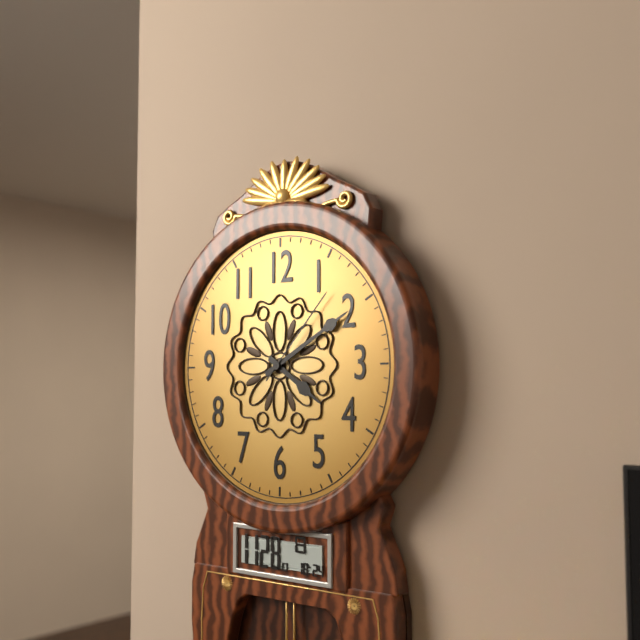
4:10:07
